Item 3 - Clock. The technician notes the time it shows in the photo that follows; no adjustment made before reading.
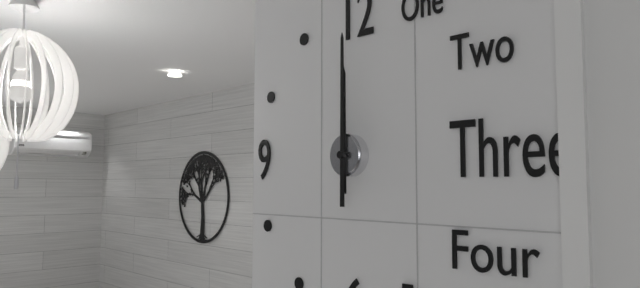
12:00
